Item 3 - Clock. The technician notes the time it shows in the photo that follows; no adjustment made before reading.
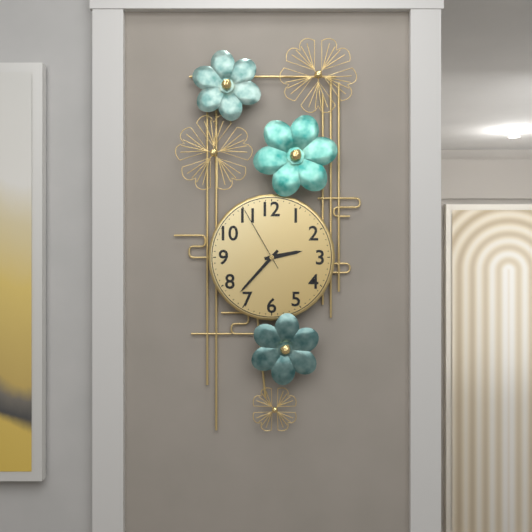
2:37:55
